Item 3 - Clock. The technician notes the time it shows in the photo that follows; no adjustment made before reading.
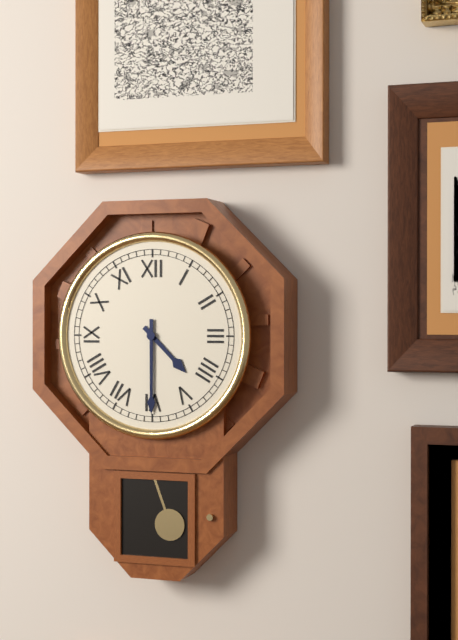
4:30
